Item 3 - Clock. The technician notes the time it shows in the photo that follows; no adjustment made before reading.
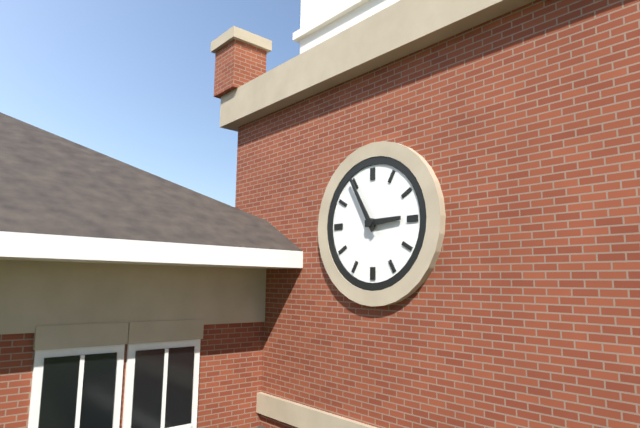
2:55
